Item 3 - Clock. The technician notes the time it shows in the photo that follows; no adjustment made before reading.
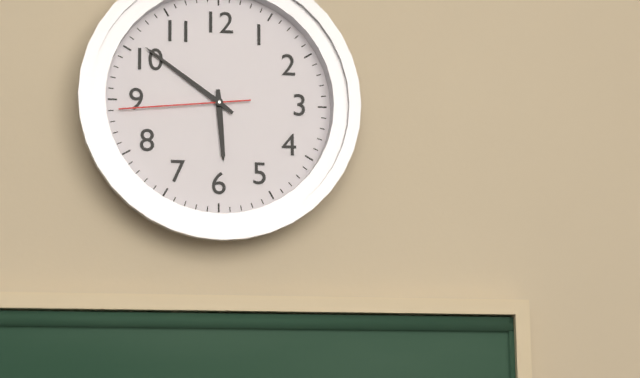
5:51:44
